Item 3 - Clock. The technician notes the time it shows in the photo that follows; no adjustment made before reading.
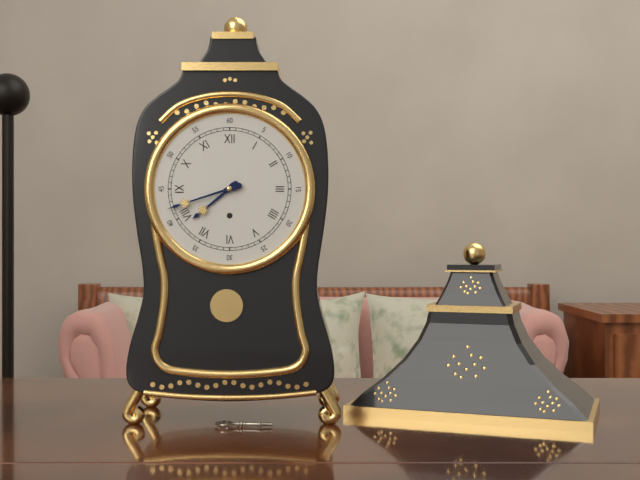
7:42
